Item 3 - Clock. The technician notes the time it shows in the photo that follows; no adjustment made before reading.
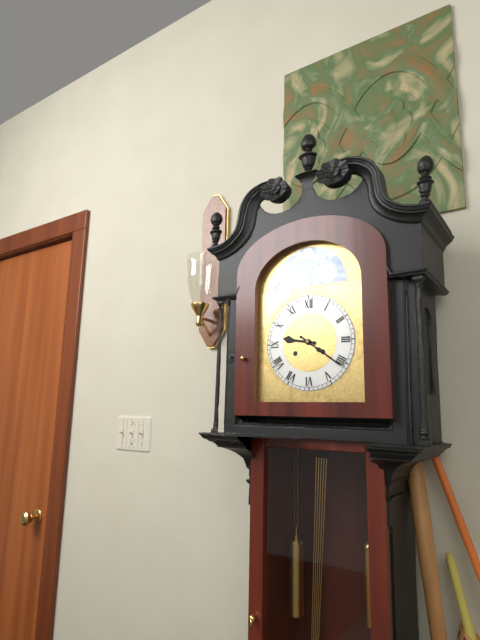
9:21
